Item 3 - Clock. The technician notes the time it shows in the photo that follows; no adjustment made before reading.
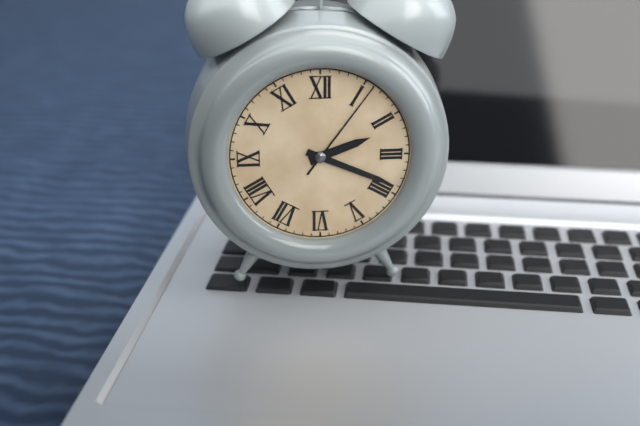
2:19:06
